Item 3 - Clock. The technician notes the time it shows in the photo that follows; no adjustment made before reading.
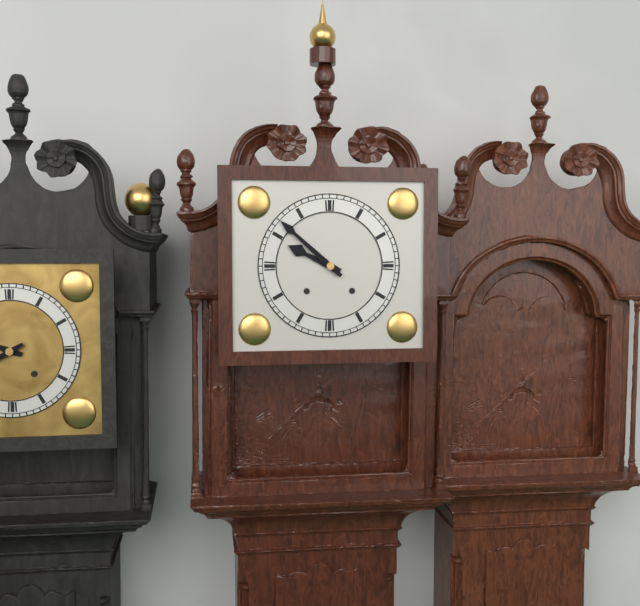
9:52
